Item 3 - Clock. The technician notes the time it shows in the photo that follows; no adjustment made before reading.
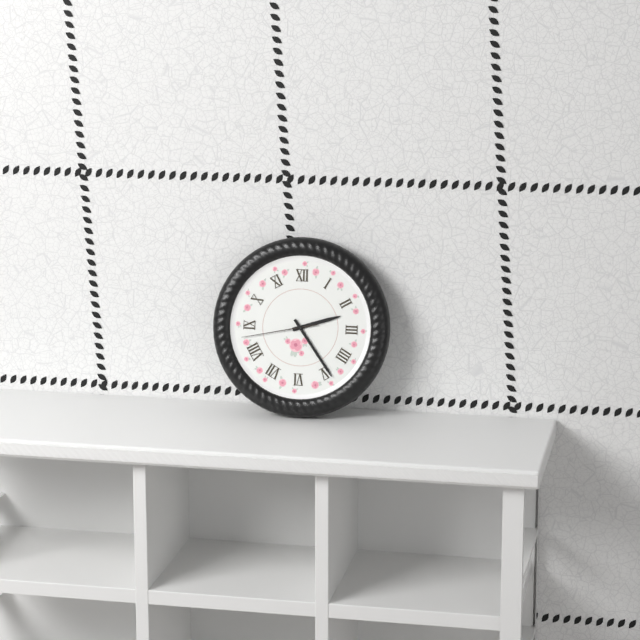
2:24:43
